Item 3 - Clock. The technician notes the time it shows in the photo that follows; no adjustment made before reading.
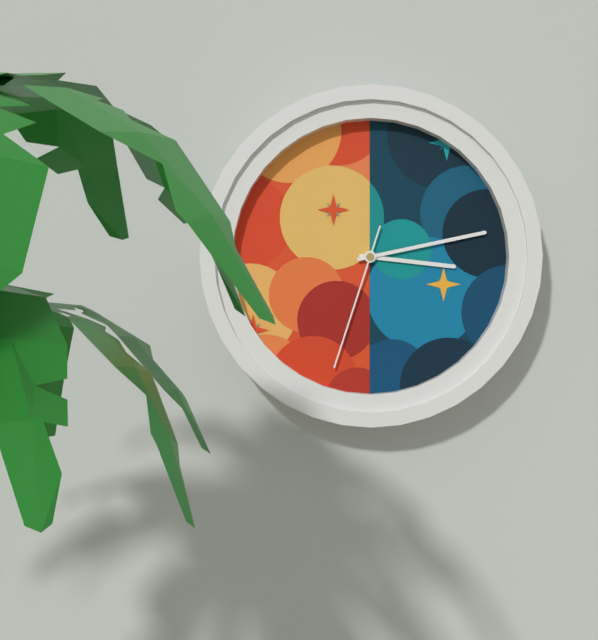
3:13:33
